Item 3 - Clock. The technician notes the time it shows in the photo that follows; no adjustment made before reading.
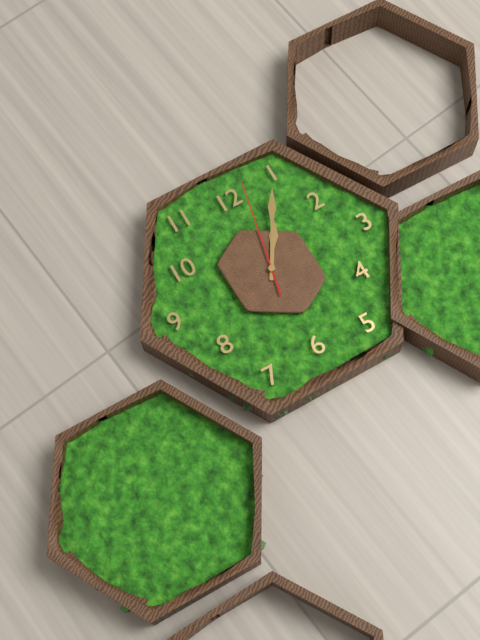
1:05:02
